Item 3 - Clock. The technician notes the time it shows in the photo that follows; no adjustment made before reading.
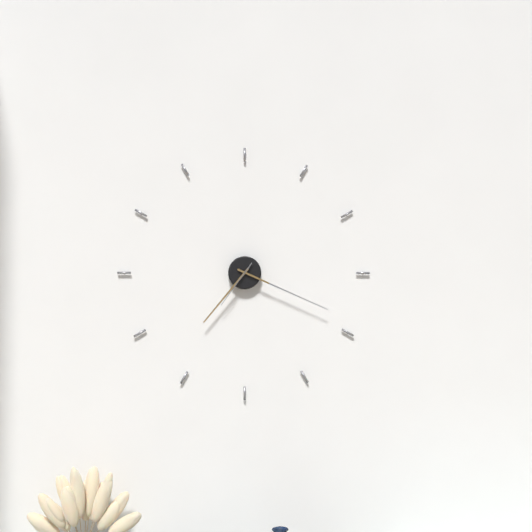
7:19:36
